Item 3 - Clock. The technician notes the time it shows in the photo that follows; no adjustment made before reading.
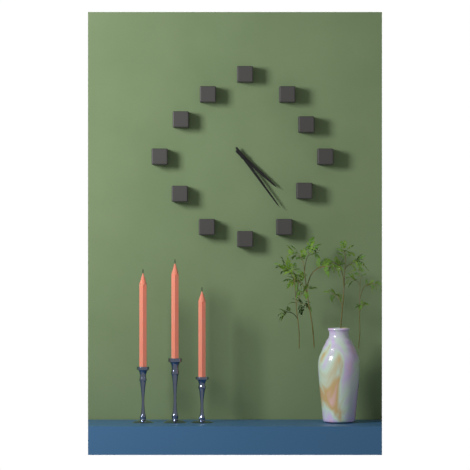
4:24
